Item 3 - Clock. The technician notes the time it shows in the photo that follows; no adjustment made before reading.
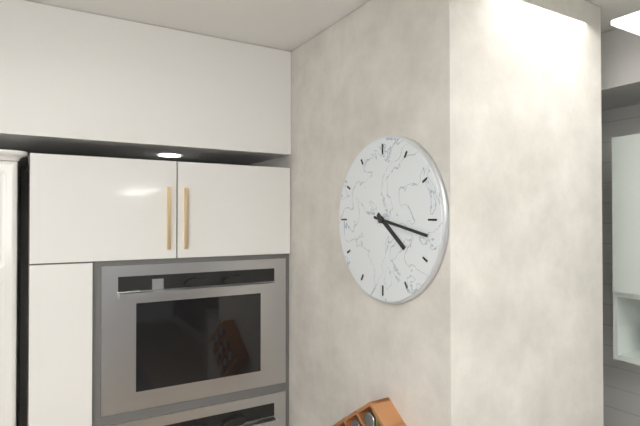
4:17
